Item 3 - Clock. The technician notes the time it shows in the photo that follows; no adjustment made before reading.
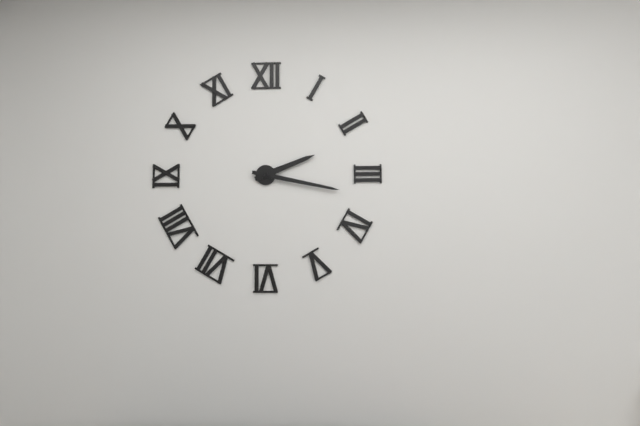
2:17
